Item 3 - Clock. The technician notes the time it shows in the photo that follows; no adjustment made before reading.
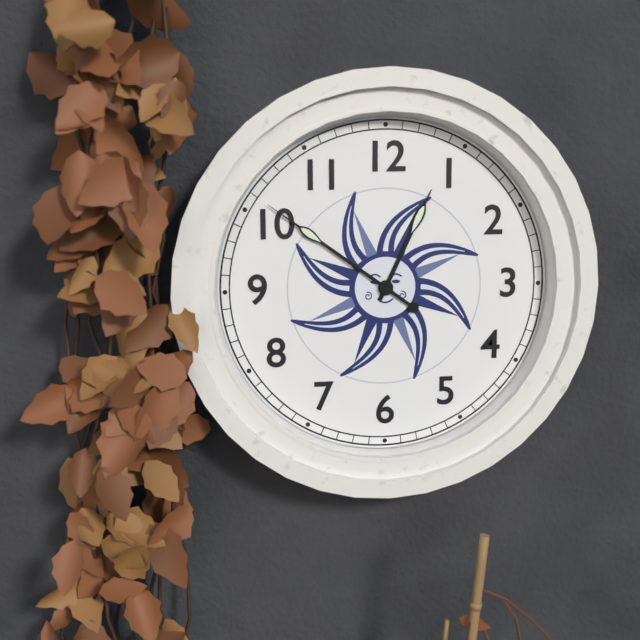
12:51
